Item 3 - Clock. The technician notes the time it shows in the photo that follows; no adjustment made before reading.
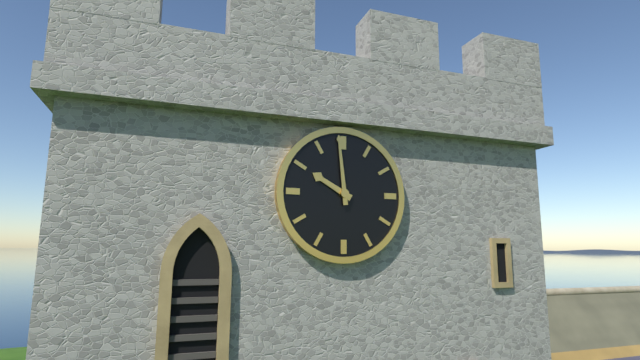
9:59
